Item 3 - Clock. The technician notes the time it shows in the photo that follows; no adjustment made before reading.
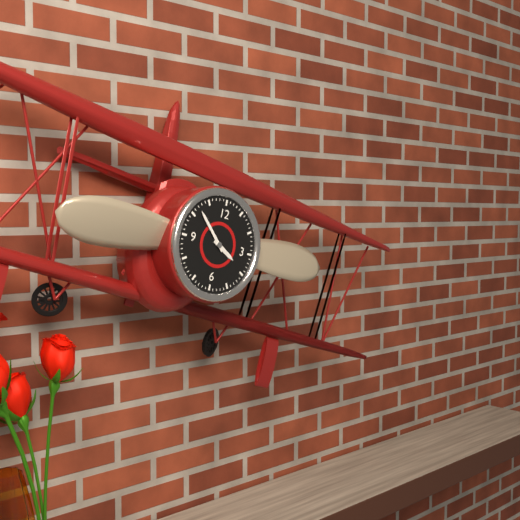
3:52
